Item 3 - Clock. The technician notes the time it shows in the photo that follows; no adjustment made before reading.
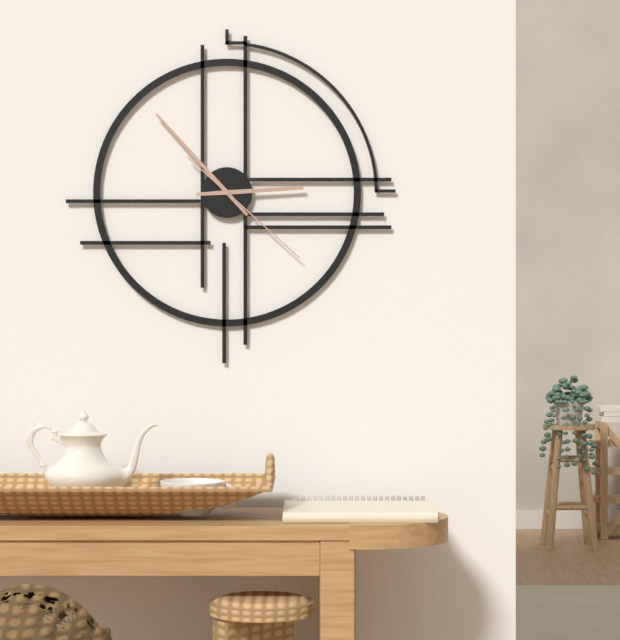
2:53:22
